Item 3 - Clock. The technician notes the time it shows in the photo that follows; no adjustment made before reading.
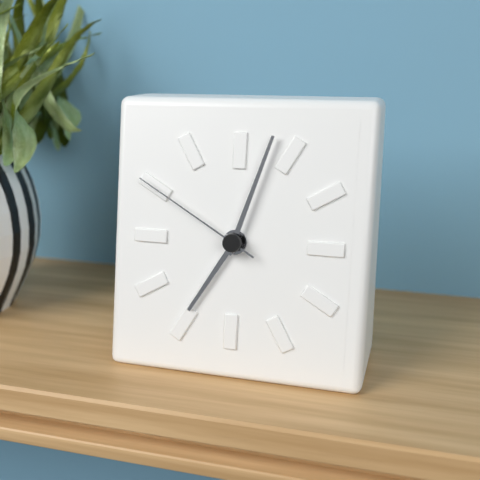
7:03:50
